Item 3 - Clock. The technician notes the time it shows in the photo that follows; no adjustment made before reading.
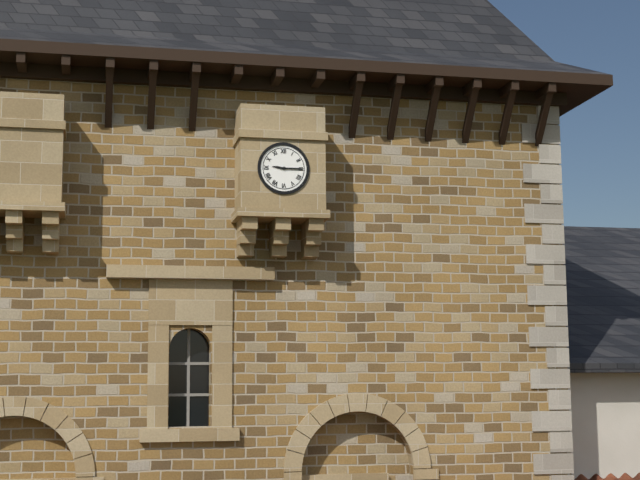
9:15
